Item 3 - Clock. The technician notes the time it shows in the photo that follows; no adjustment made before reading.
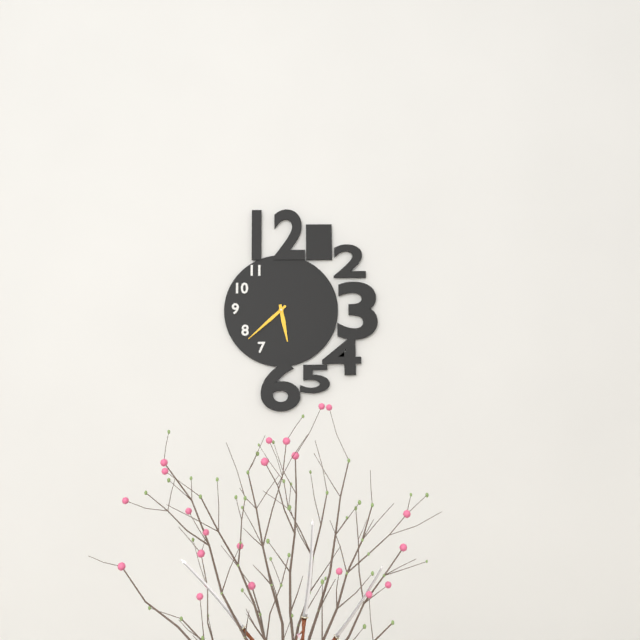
5:38
